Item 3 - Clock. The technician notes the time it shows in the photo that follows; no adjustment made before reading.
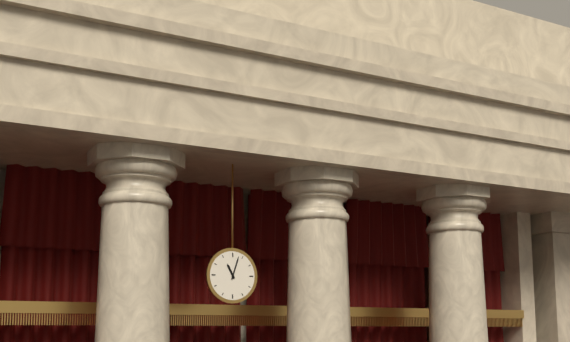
11:03
